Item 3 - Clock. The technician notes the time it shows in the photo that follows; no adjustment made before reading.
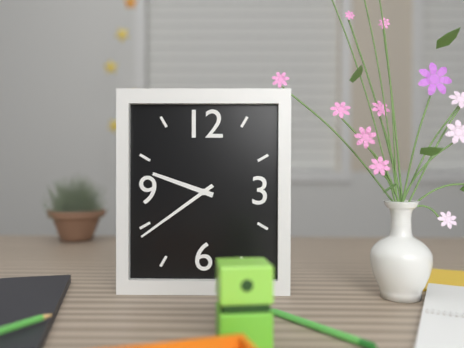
9:39
